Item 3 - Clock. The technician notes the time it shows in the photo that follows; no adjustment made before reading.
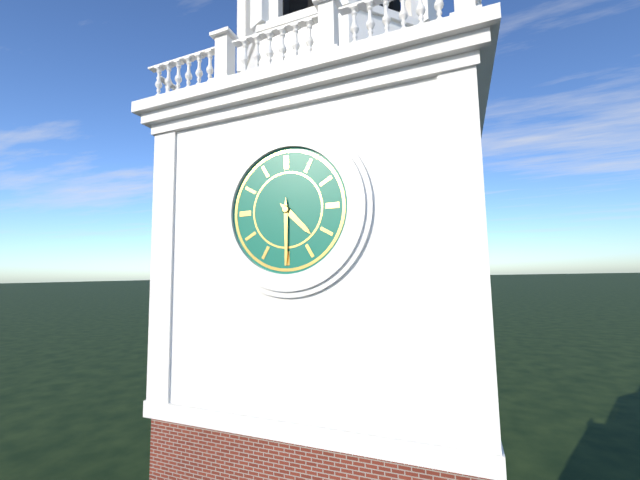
4:30
